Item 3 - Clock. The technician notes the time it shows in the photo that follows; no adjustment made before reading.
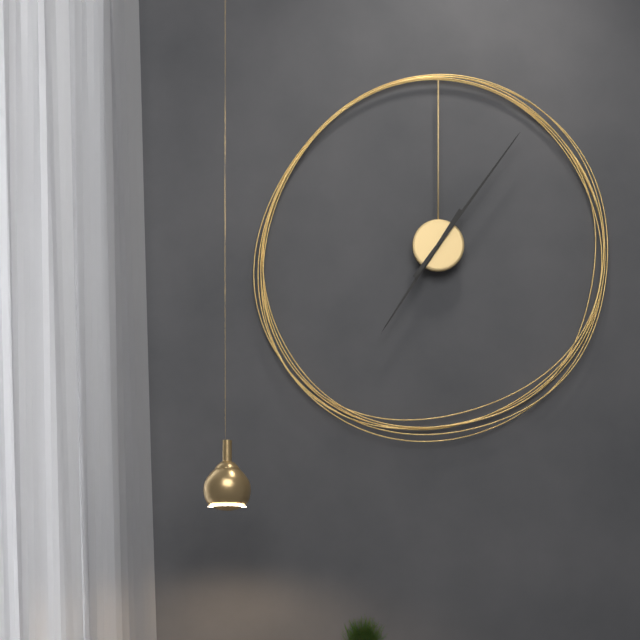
7:06
